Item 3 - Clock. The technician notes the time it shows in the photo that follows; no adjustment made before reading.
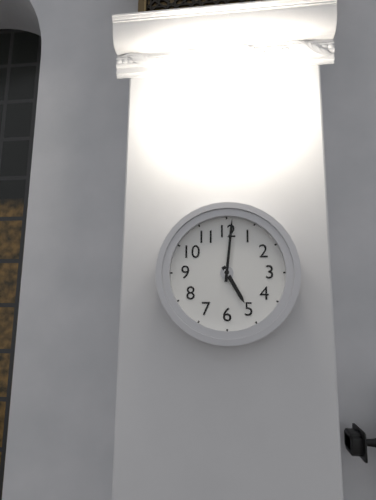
5:01
